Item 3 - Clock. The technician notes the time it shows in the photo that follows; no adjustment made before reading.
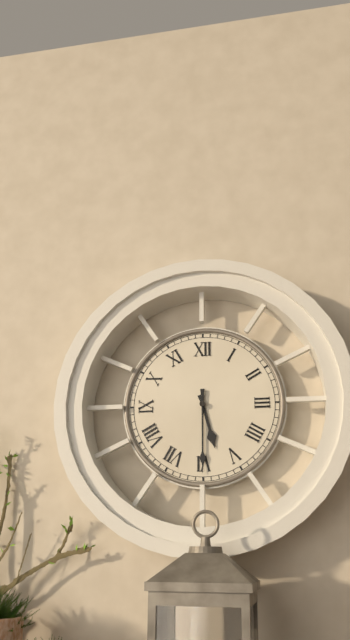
5:30
